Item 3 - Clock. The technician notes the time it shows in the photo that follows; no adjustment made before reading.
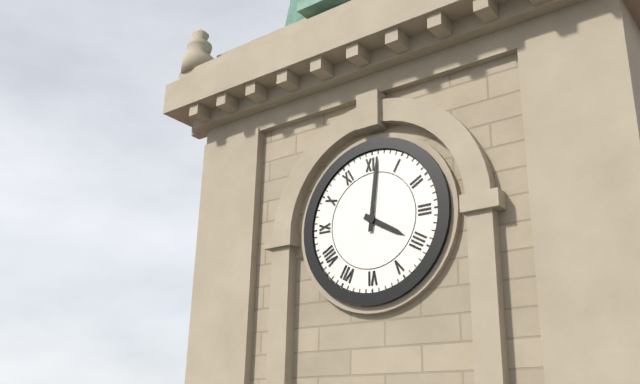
4:01
